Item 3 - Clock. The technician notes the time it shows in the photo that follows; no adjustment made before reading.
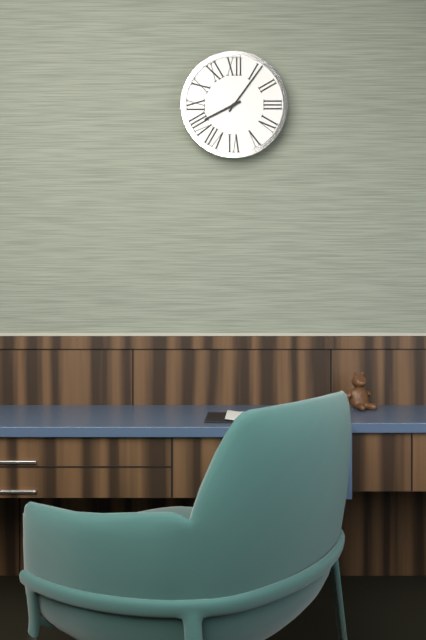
8:06
